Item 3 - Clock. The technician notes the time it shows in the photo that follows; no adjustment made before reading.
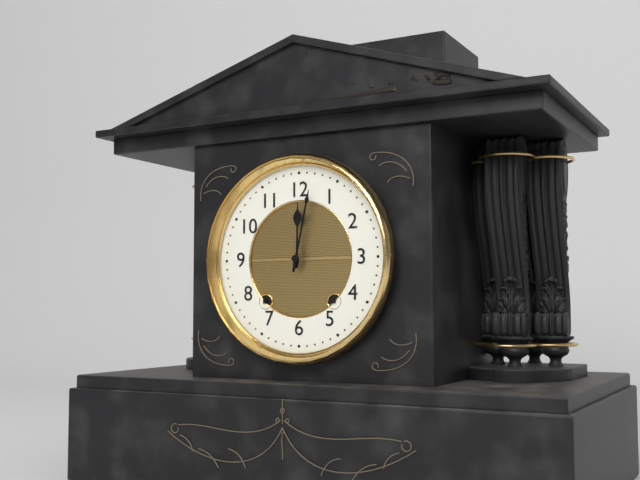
12:02
